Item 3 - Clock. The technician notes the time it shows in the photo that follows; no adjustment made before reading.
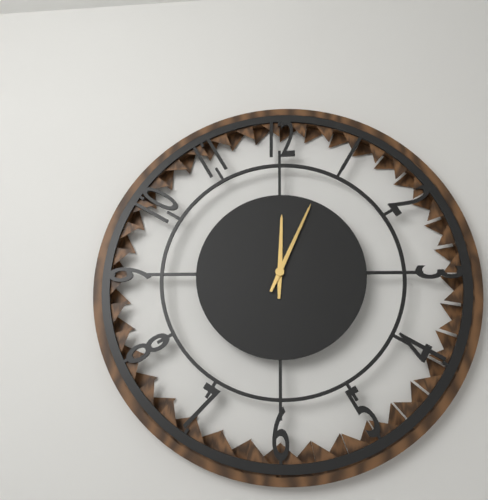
12:04
